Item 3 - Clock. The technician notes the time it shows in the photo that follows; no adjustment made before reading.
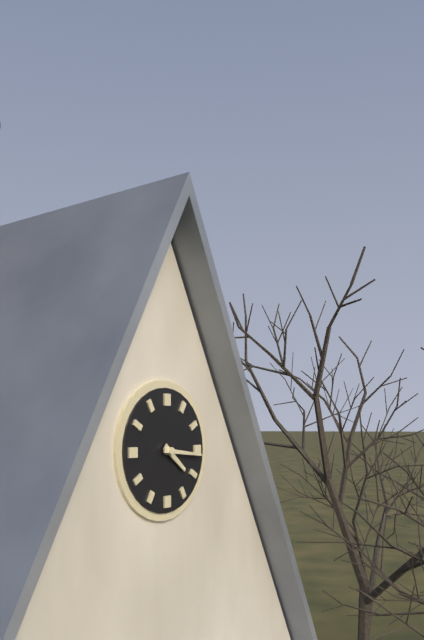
4:16
